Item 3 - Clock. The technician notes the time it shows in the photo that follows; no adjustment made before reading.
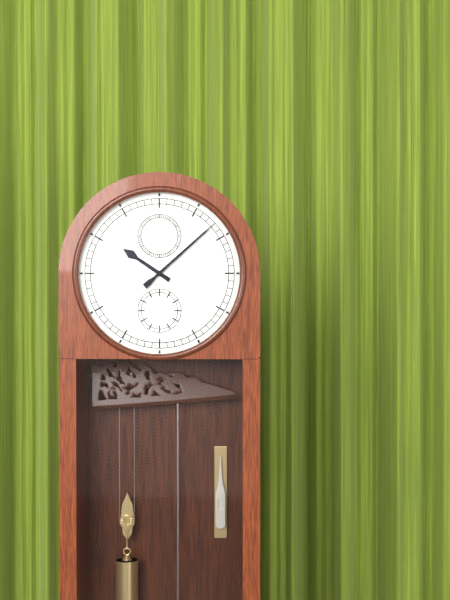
10:08
